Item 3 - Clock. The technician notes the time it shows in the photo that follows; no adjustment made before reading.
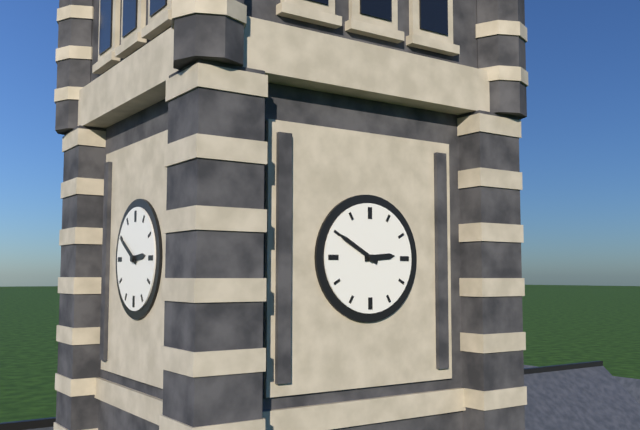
2:50
